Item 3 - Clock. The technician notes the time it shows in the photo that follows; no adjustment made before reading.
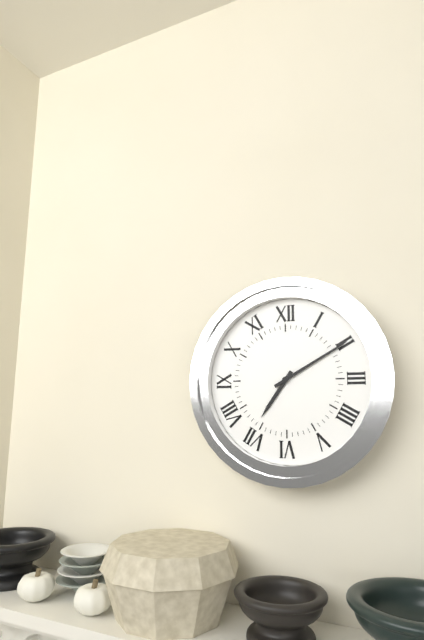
7:10
